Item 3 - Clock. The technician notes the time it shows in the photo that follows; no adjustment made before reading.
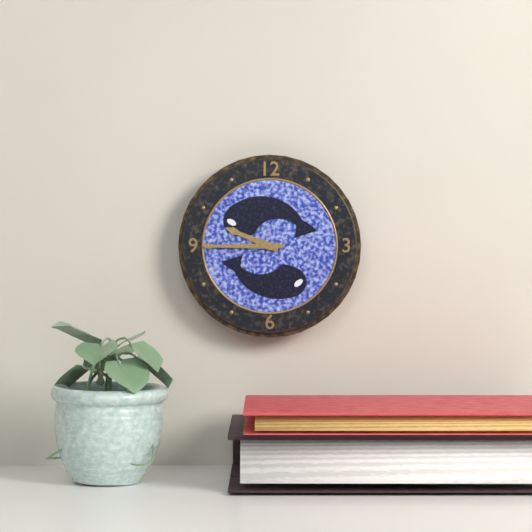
9:45
